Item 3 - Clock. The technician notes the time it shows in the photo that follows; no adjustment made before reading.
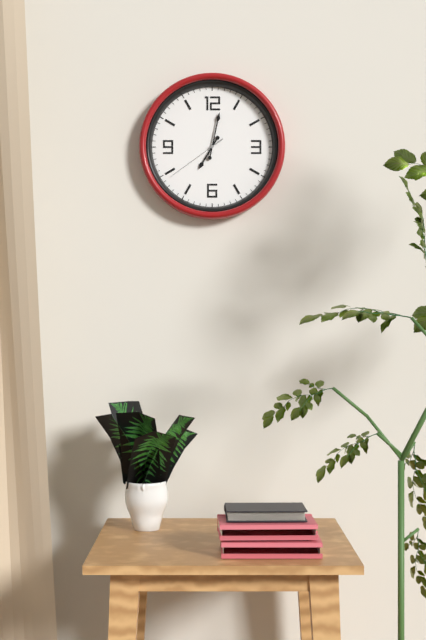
7:02:39
